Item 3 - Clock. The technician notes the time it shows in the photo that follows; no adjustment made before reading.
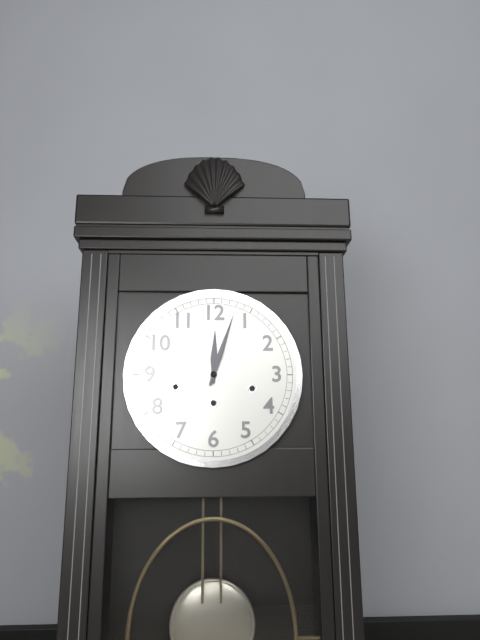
12:03
